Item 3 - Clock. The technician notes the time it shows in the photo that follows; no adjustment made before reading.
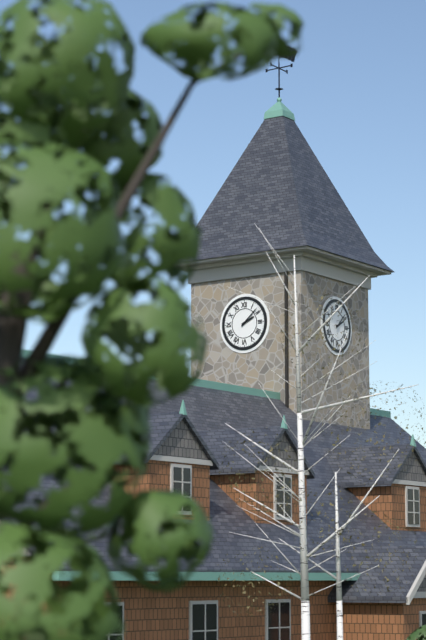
2:08
